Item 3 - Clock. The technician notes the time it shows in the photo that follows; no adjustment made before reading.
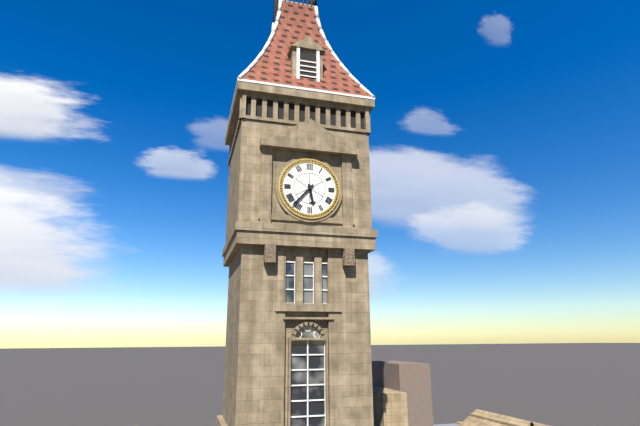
5:37
